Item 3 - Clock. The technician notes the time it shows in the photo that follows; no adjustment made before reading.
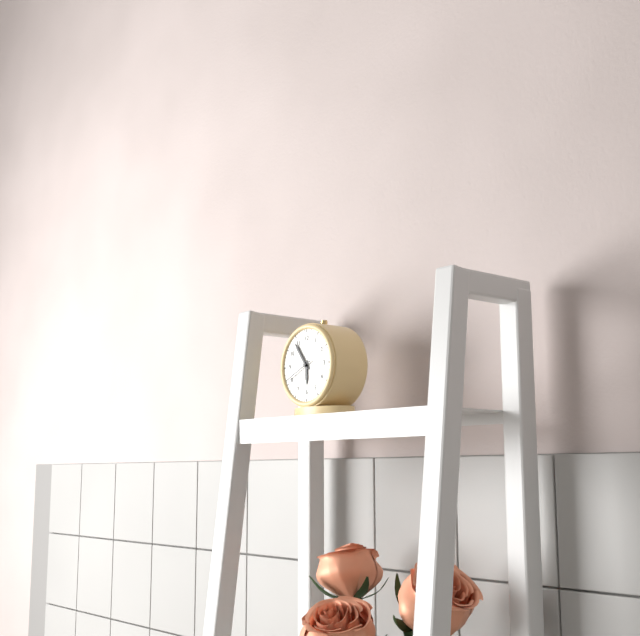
5:54
